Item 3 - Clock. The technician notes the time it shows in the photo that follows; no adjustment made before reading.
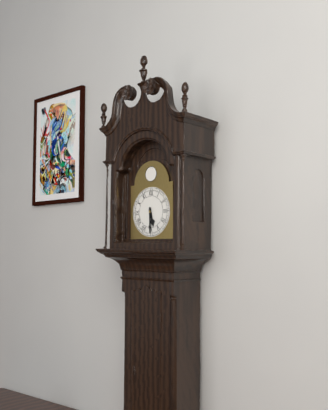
5:30
